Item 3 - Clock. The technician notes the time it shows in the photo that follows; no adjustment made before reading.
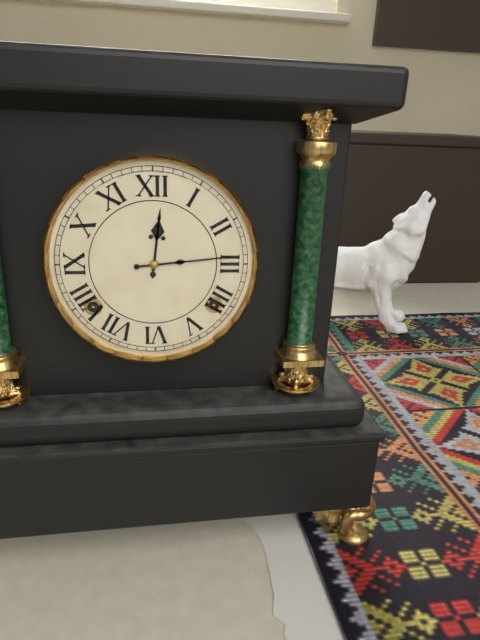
12:14
